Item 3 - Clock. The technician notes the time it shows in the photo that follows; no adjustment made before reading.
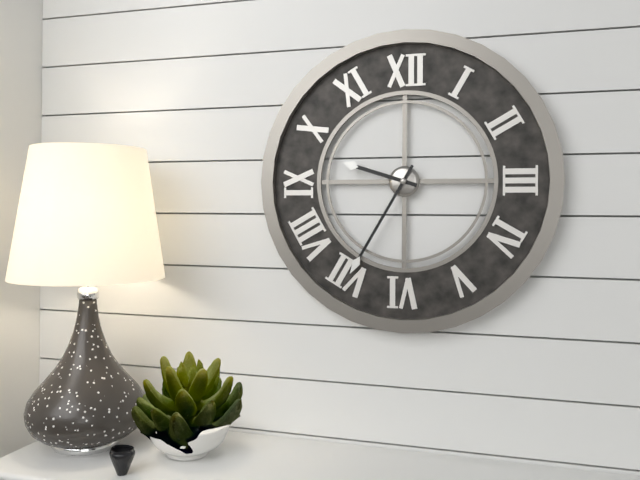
9:35
